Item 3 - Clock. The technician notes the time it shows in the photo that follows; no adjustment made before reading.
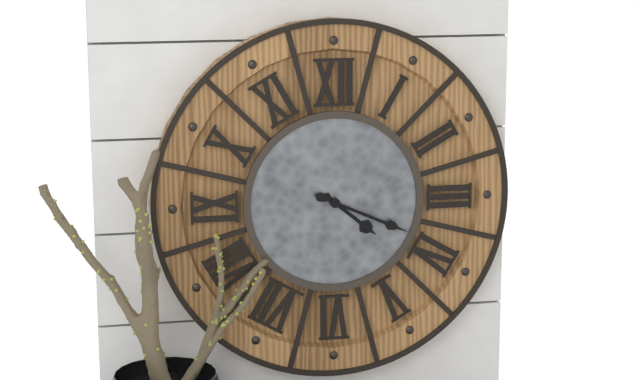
4:19
